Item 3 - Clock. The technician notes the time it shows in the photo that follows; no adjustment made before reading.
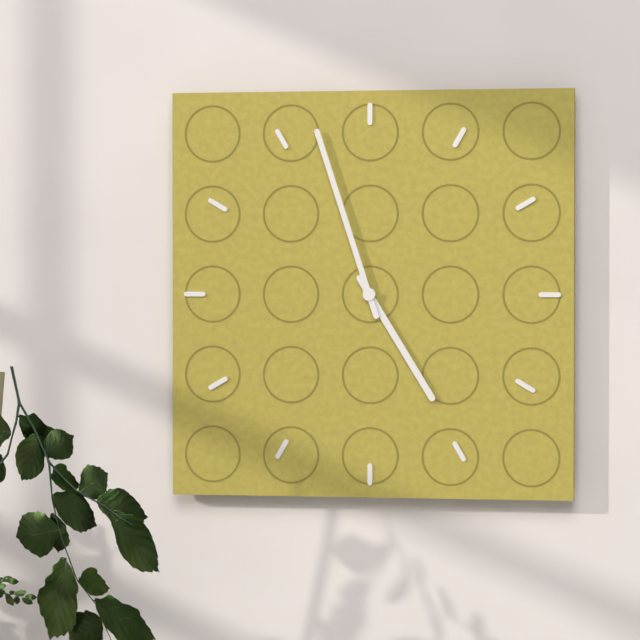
4:57
